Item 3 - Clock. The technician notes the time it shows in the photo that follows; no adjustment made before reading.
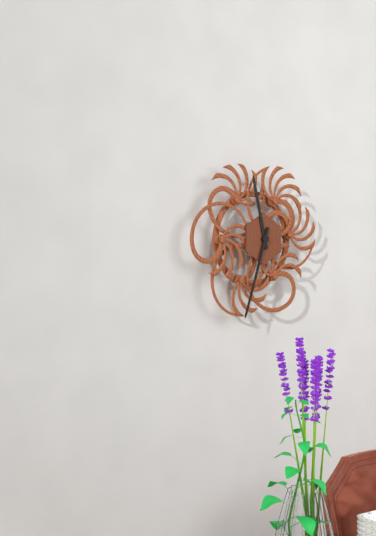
11:33
